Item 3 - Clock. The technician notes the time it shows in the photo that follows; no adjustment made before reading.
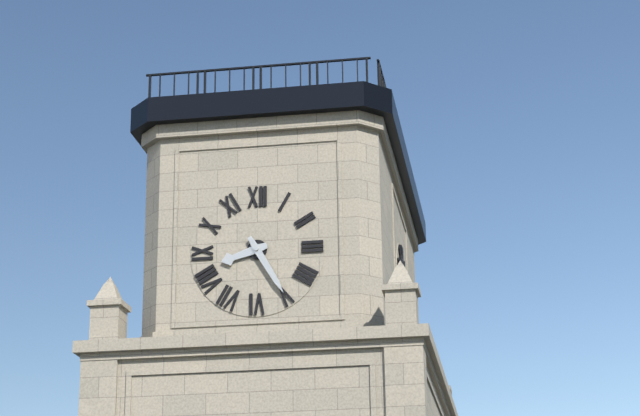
8:25
